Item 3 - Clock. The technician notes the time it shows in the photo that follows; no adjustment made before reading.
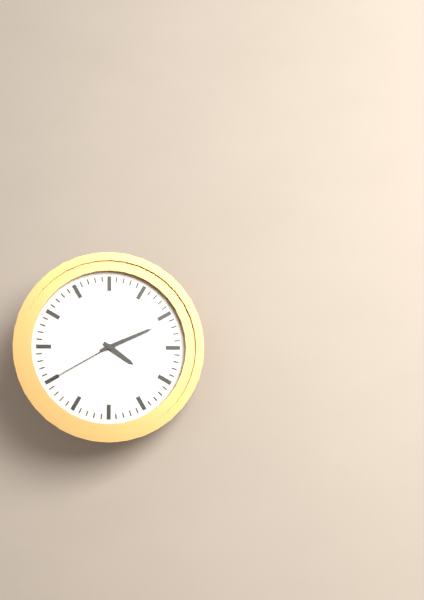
4:11:40
